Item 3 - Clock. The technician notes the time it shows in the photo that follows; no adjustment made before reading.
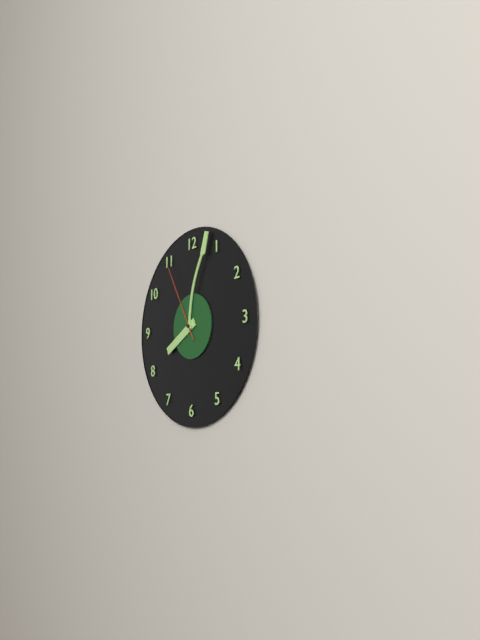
8:03:55
